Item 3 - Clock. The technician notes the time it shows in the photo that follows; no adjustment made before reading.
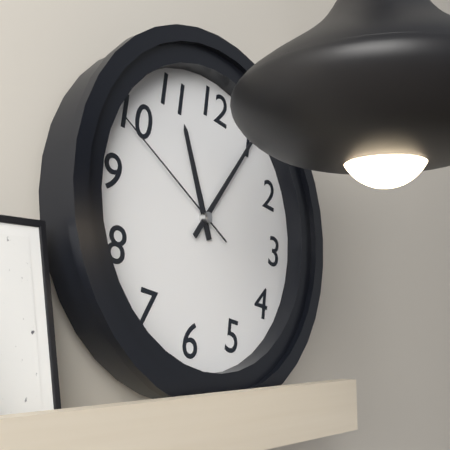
11:05:49
